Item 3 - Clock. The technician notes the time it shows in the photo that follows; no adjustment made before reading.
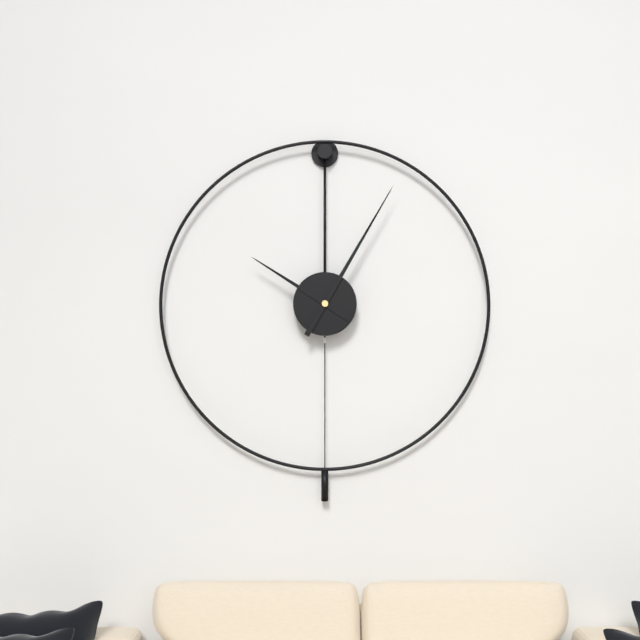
10:05
